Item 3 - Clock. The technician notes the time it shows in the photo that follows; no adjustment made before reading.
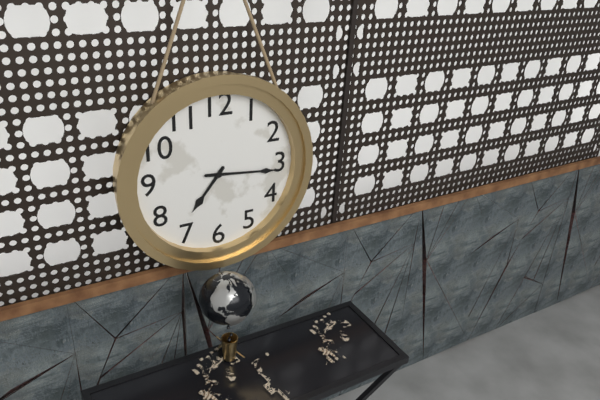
7:16
